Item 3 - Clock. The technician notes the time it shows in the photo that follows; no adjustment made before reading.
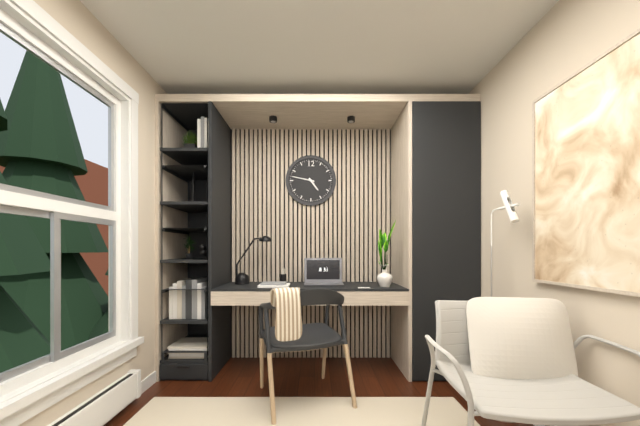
4:47
